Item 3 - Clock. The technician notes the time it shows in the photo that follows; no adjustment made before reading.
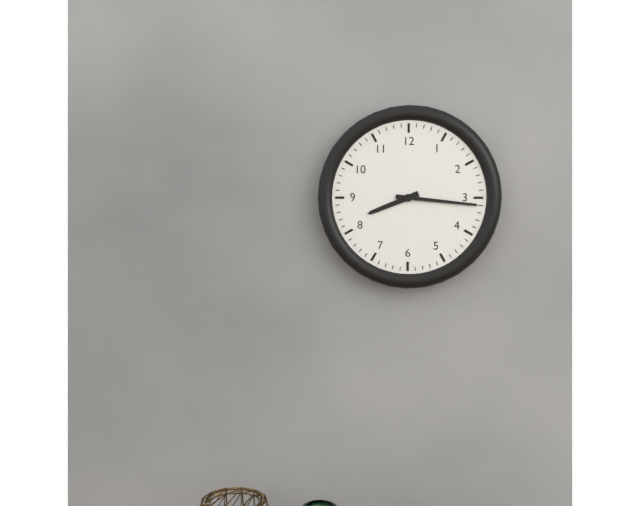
8:16
